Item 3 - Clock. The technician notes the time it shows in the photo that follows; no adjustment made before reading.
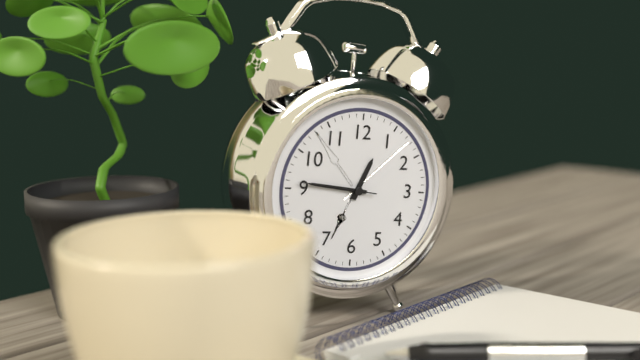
12:46:46
